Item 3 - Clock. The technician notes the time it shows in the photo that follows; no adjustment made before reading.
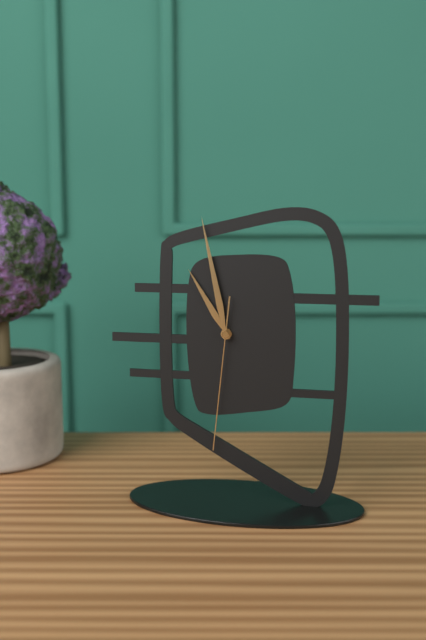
10:58:31
